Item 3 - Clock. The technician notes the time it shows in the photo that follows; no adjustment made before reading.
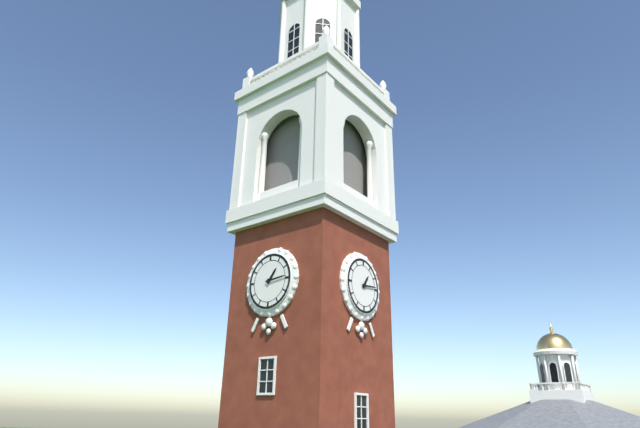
1:14
